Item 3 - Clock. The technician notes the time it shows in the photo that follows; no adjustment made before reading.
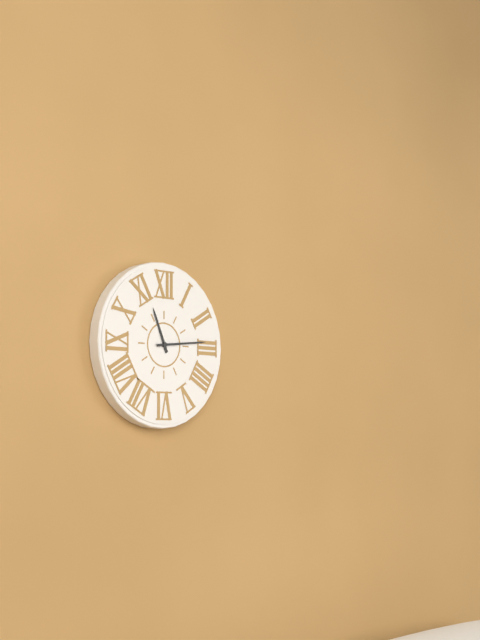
11:14
